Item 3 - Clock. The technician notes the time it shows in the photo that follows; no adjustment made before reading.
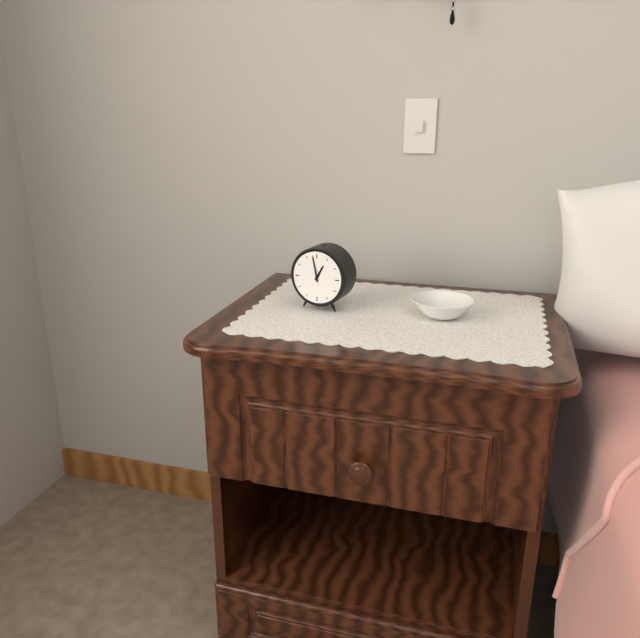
12:58
